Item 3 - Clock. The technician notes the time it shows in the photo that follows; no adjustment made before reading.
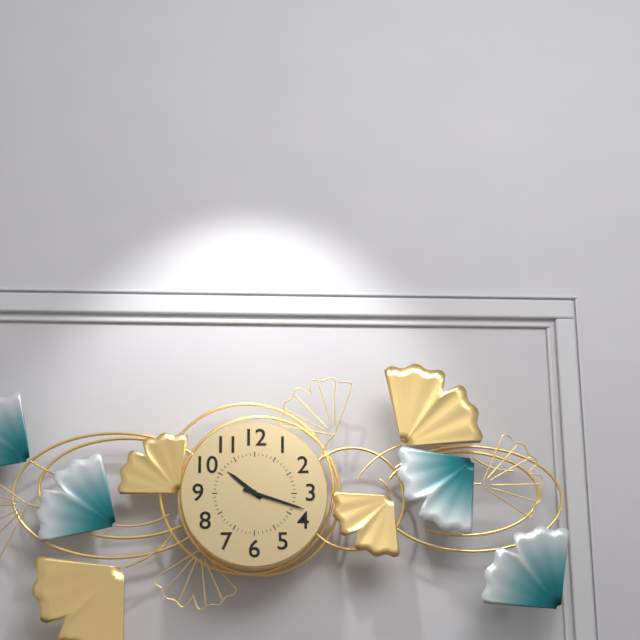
10:18
